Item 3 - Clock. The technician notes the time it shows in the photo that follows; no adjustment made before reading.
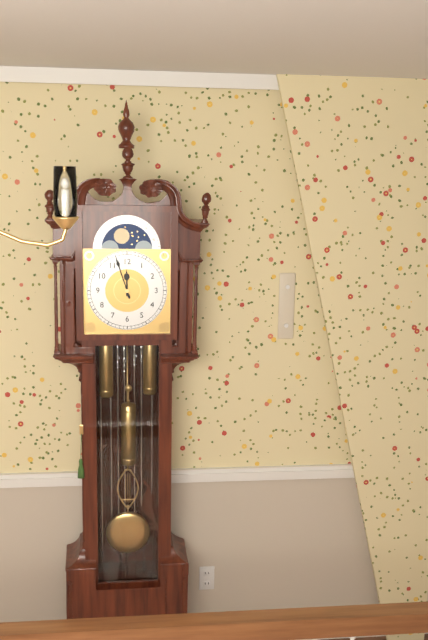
11:57
